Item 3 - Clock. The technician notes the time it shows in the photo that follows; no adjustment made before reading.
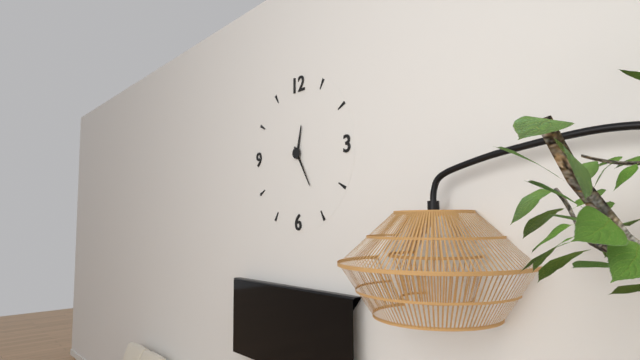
12:25
